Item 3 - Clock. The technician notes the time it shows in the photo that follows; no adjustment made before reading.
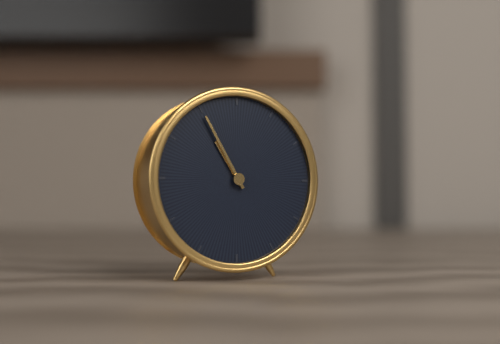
10:55
